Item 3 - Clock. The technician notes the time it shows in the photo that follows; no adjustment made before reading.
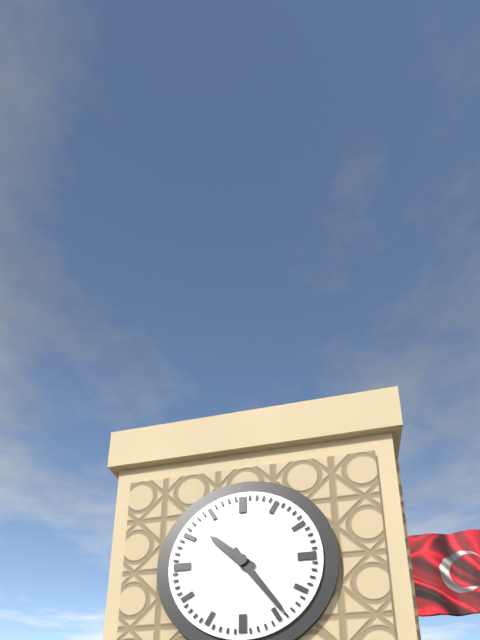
10:24
